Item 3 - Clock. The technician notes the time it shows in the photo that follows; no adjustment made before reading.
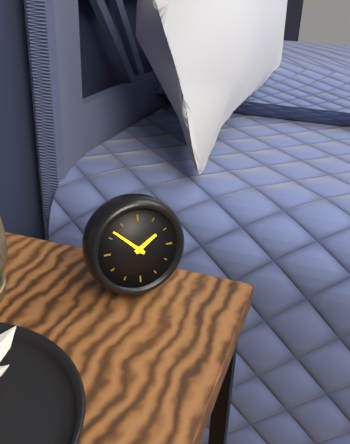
1:52
